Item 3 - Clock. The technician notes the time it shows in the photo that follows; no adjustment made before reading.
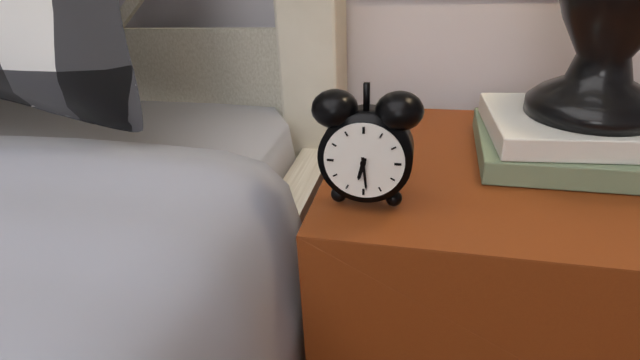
6:29
